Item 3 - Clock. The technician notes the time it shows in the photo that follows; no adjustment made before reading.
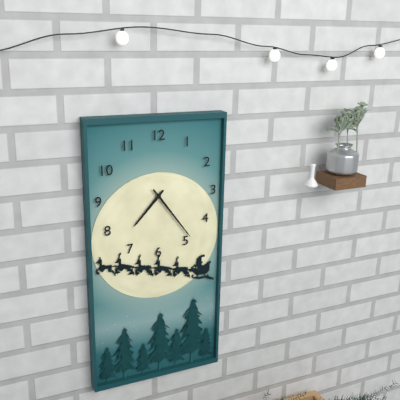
7:24
